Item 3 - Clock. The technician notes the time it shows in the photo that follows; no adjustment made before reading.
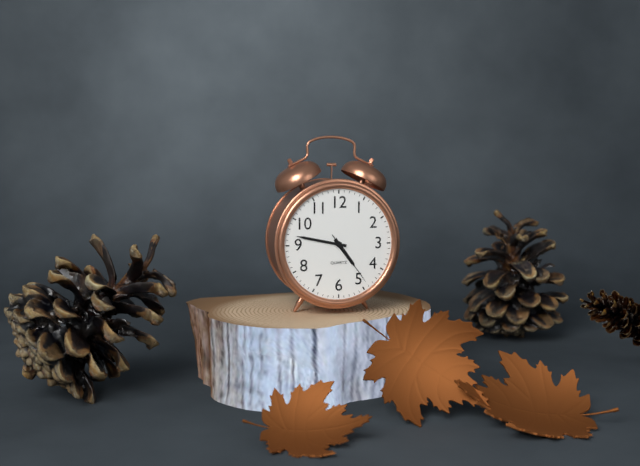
4:47:24
